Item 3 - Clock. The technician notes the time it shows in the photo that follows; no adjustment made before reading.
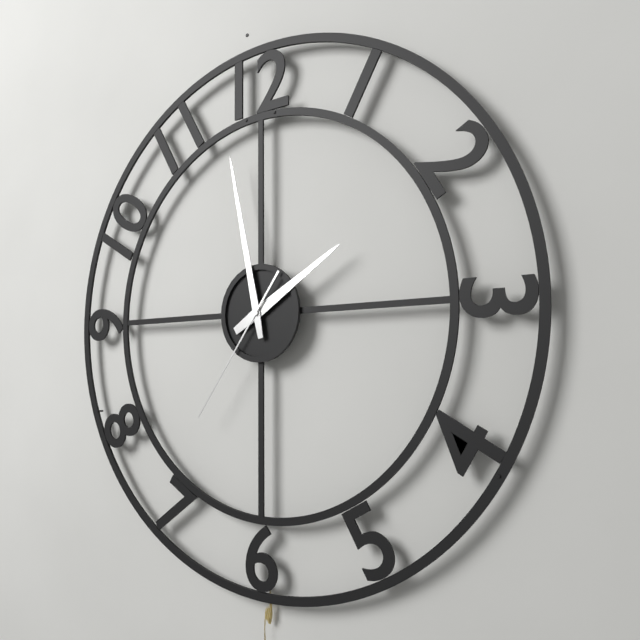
1:58:36
